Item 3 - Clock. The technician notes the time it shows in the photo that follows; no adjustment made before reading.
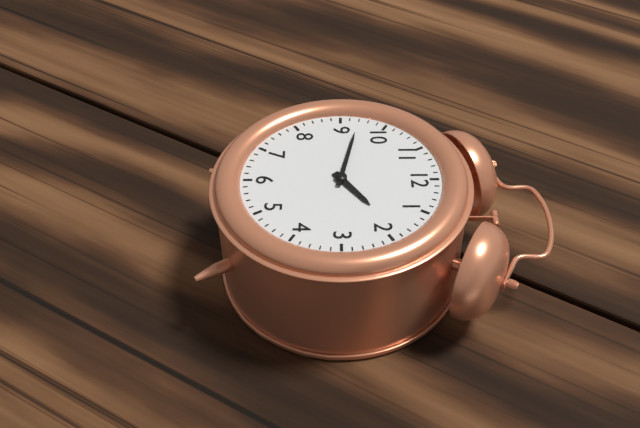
1:47
